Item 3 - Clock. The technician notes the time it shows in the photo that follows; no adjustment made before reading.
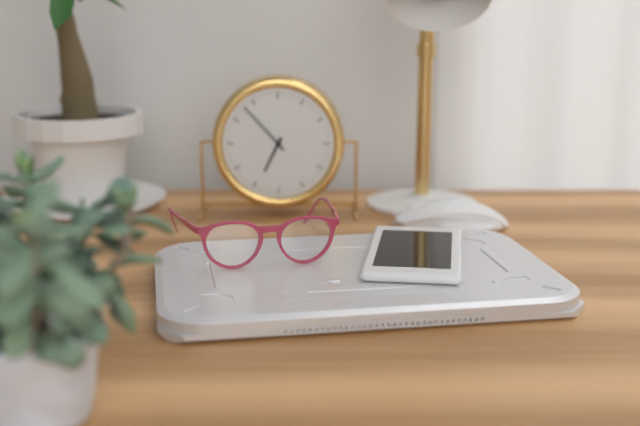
6:53
